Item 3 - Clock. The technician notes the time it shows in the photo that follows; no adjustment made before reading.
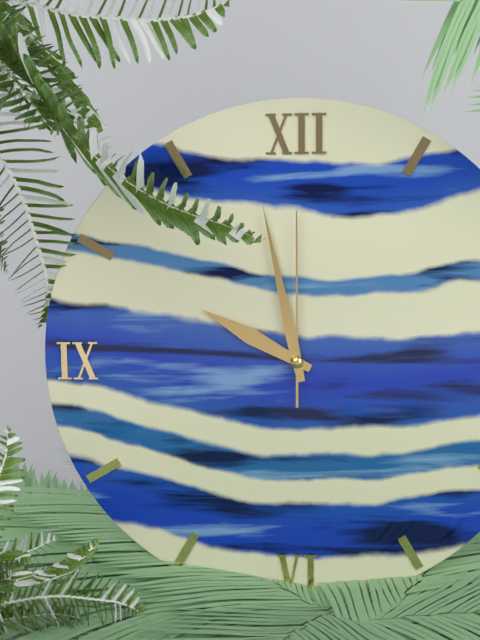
9:58:00
